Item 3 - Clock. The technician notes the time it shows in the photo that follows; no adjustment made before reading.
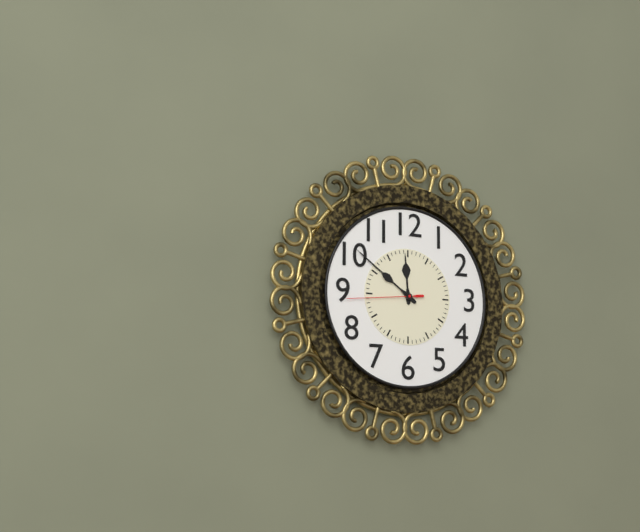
11:51:44
